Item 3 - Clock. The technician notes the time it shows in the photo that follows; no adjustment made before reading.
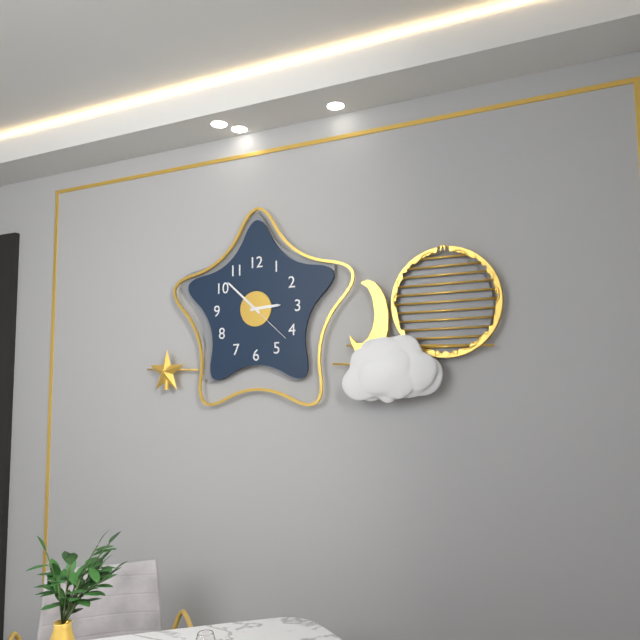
2:52
